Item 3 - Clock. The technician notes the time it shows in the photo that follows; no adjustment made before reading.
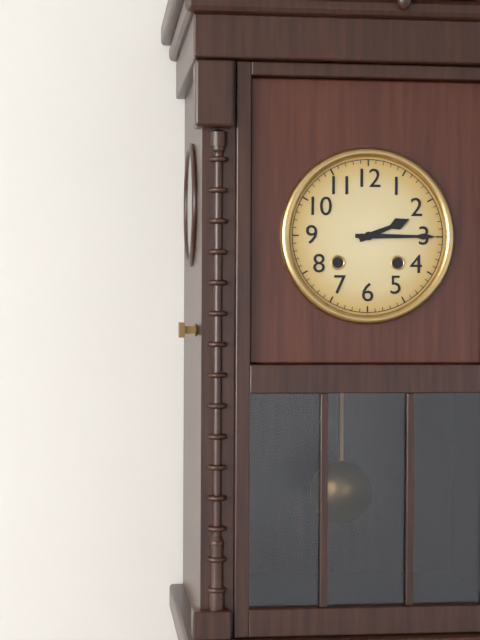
2:15
